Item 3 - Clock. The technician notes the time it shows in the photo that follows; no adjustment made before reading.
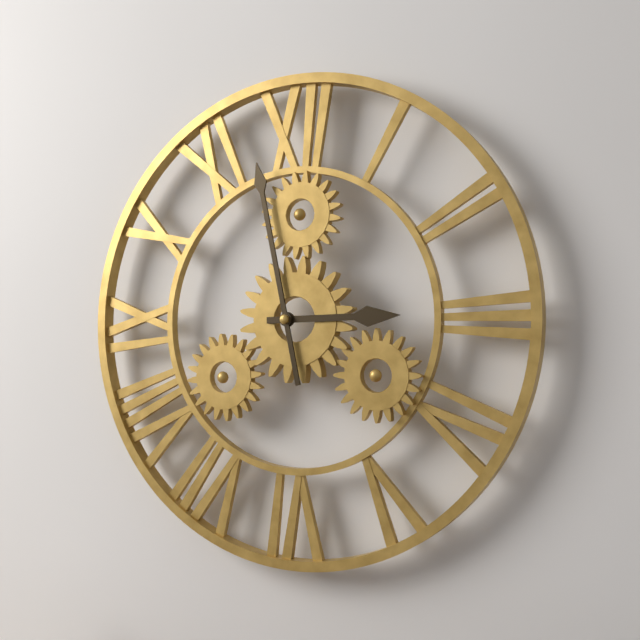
2:58
